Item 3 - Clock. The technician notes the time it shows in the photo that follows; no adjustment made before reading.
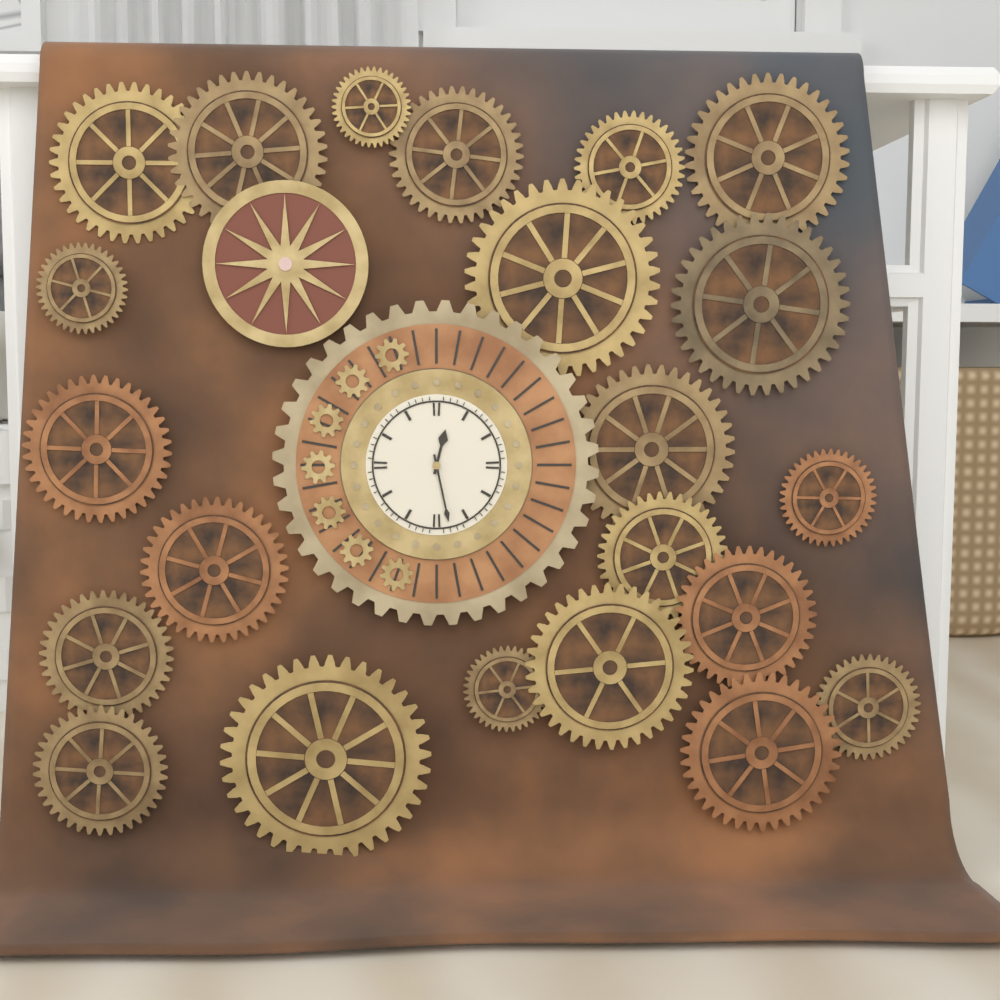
12:28
